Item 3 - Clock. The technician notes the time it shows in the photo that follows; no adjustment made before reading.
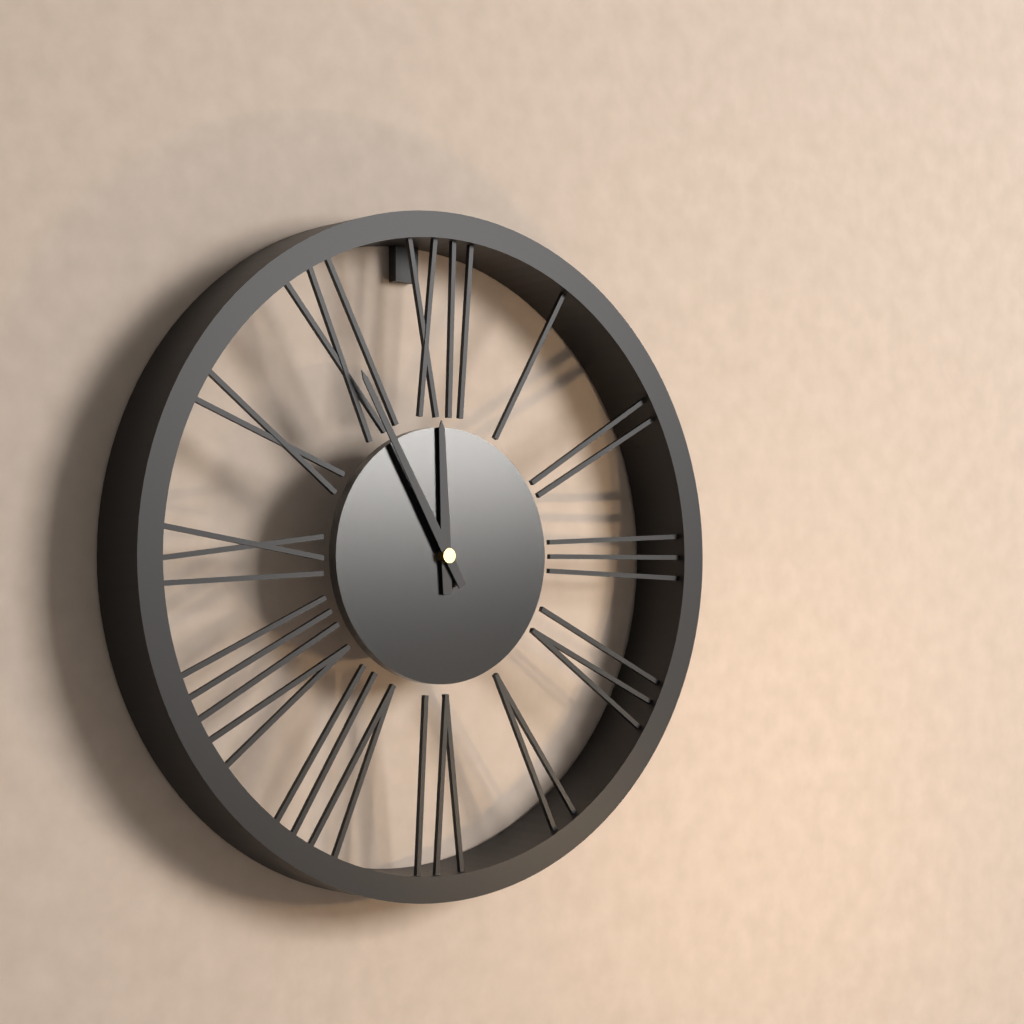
11:55
